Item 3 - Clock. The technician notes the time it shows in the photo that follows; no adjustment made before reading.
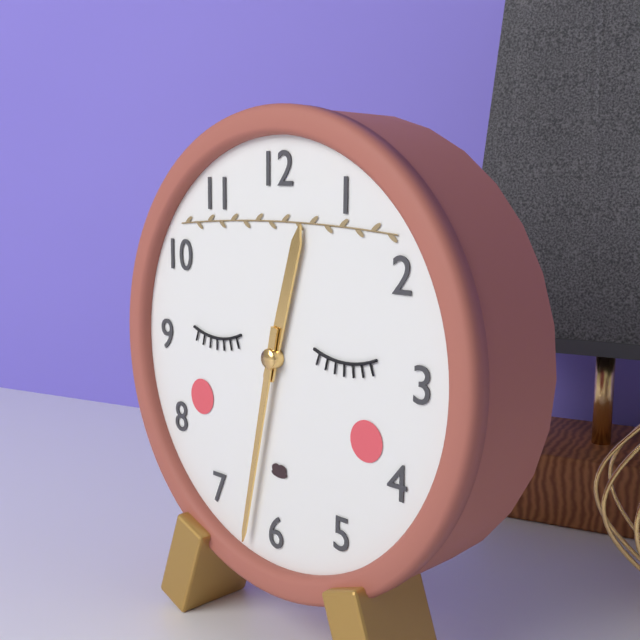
12:32
